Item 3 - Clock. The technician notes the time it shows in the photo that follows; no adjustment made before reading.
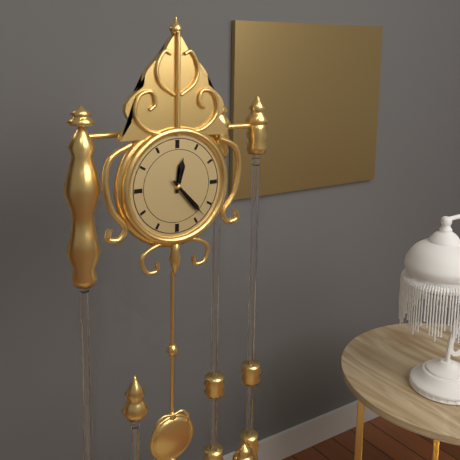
12:23
